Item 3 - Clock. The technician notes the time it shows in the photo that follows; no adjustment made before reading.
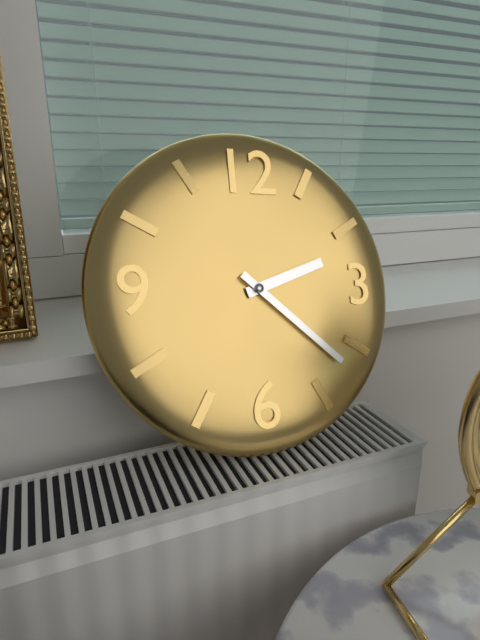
2:22
